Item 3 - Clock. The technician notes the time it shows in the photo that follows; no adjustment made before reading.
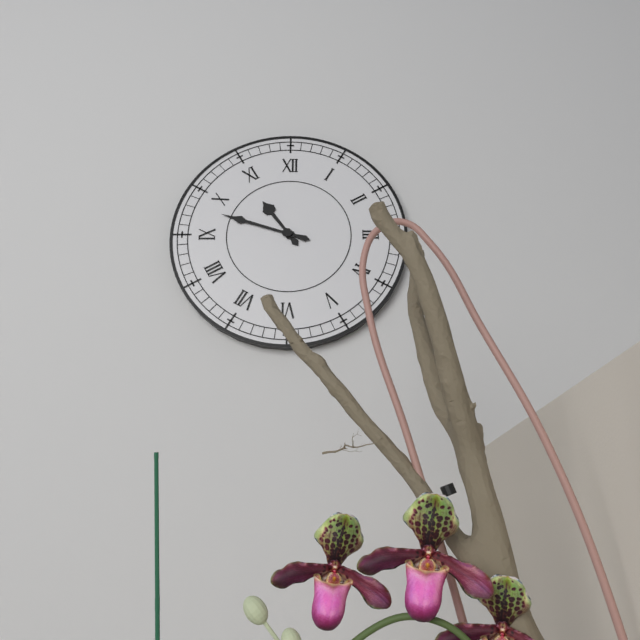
10:48
